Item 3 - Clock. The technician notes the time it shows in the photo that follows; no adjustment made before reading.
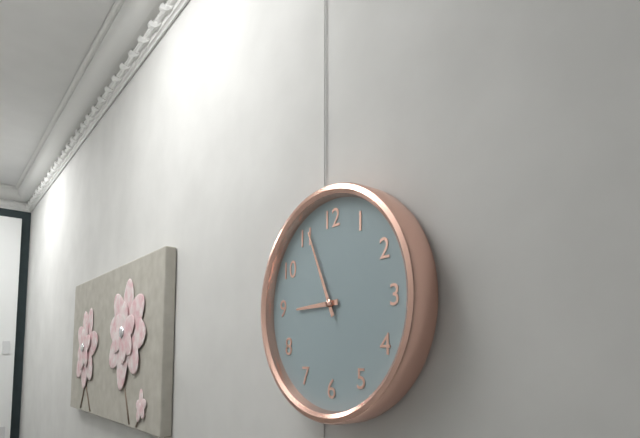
8:56
